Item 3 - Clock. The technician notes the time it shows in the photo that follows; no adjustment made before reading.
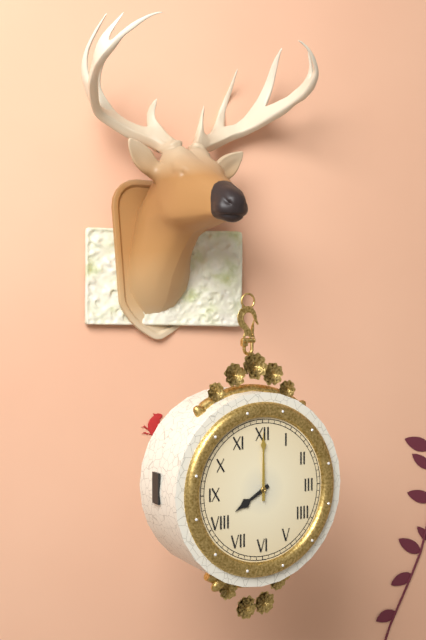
8:00
